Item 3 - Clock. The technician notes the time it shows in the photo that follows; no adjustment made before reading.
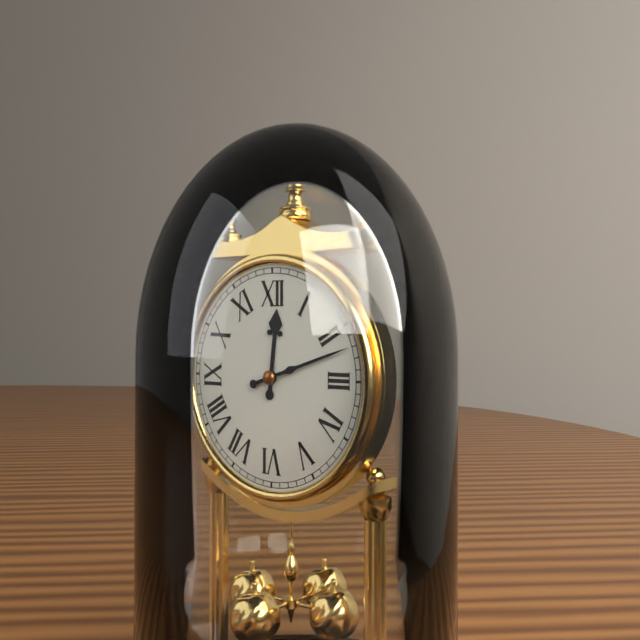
12:12
